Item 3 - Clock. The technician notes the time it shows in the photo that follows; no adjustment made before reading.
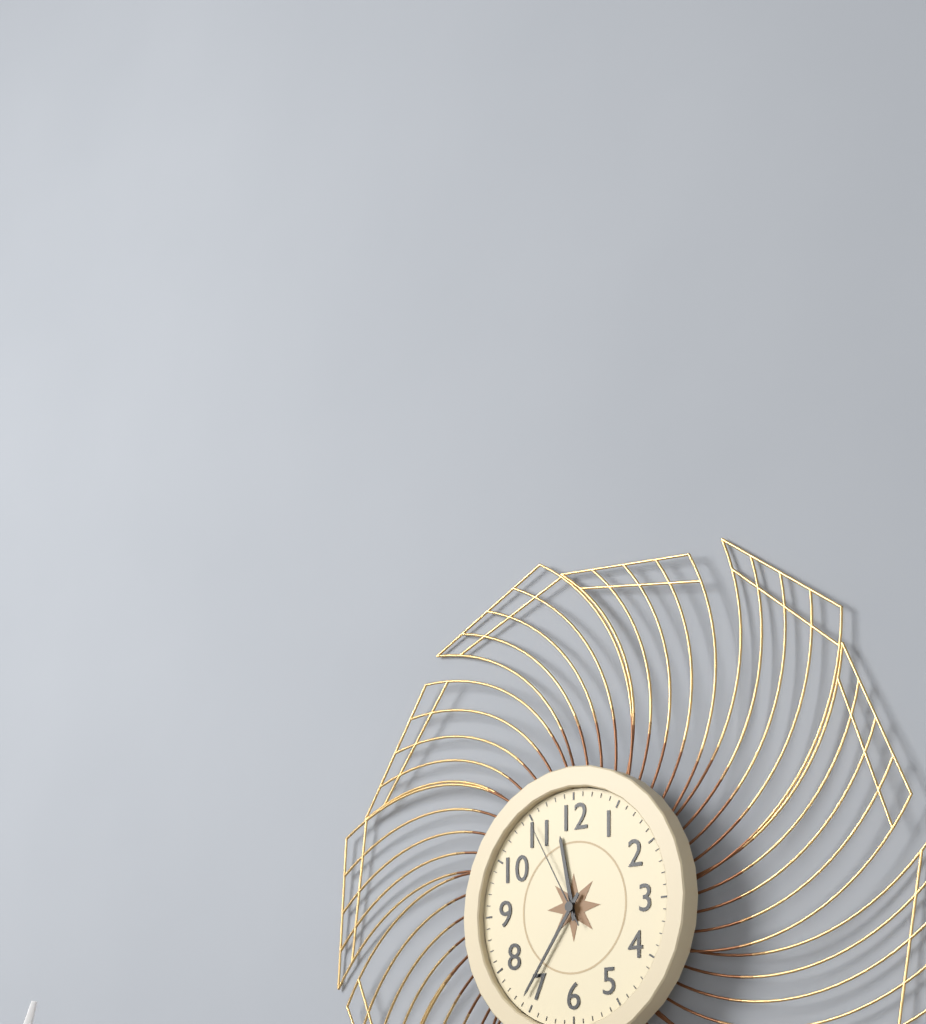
11:36:55
